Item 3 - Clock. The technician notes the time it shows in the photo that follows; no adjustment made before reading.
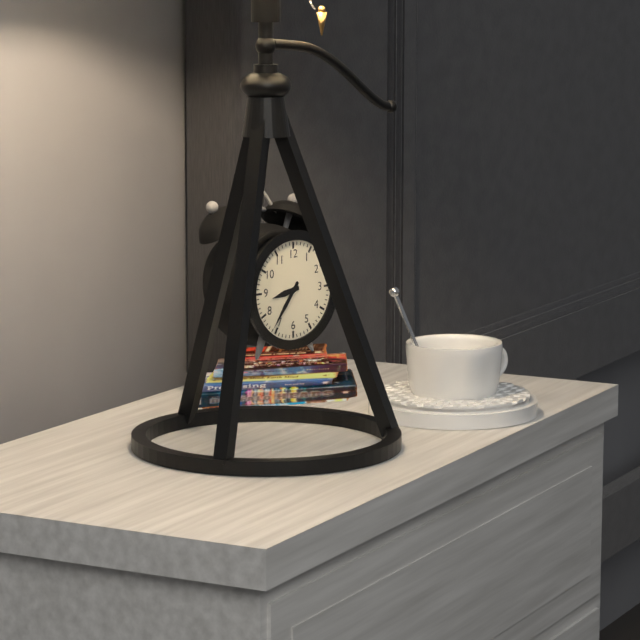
8:36
